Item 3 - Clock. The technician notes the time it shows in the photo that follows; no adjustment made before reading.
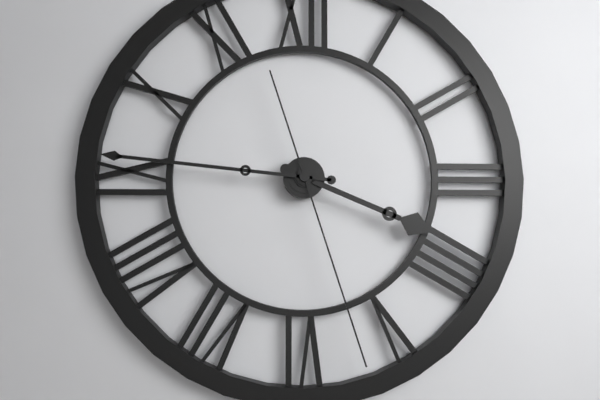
3:46:27
